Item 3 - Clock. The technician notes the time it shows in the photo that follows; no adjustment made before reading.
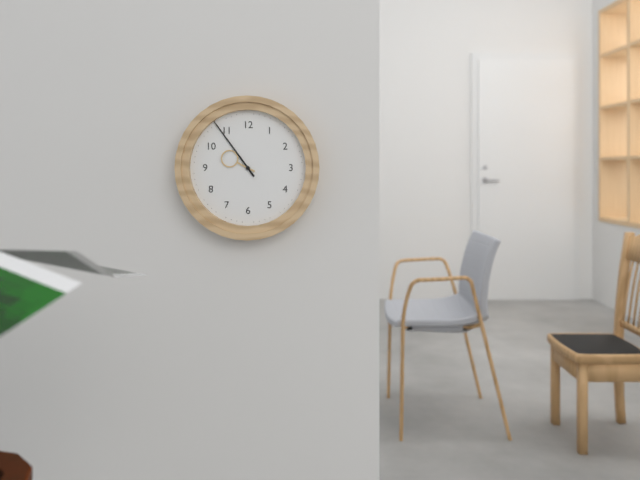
9:54
